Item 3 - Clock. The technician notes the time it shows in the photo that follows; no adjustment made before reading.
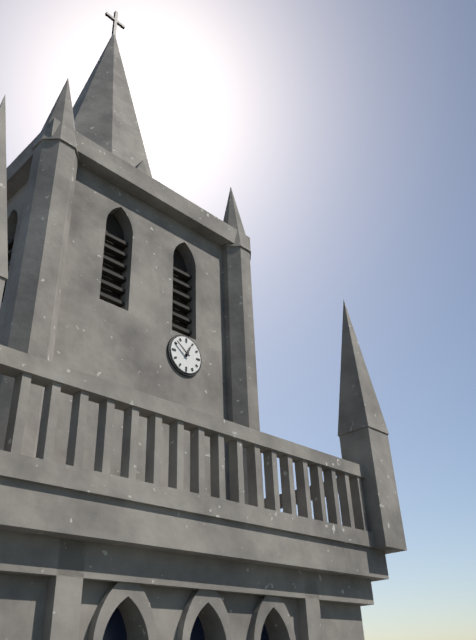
12:51
